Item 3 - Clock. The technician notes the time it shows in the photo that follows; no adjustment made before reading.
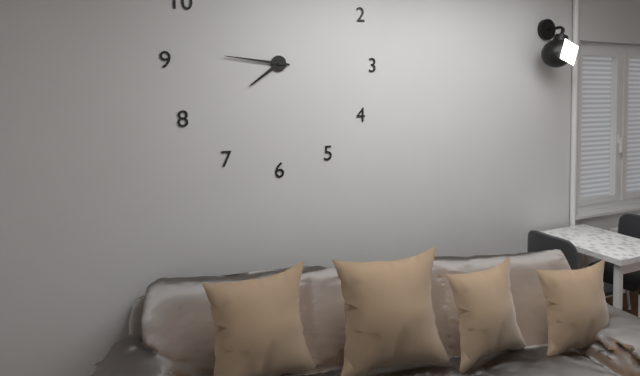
7:46
